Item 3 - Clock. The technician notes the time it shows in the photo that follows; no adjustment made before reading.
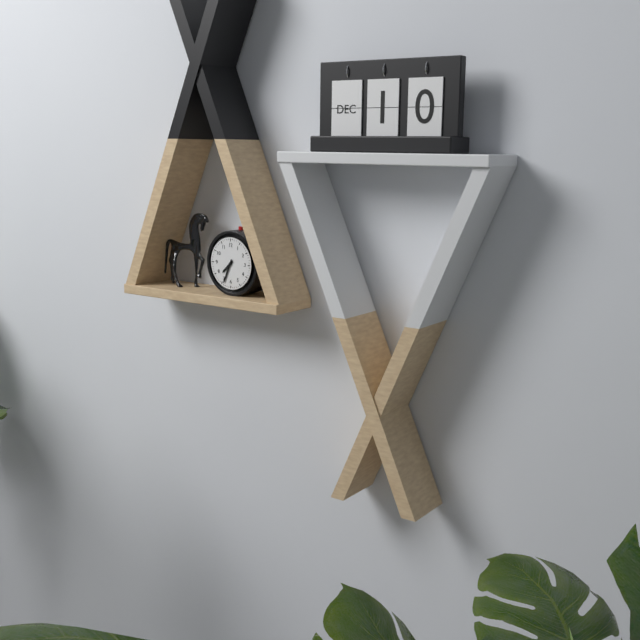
7:34
